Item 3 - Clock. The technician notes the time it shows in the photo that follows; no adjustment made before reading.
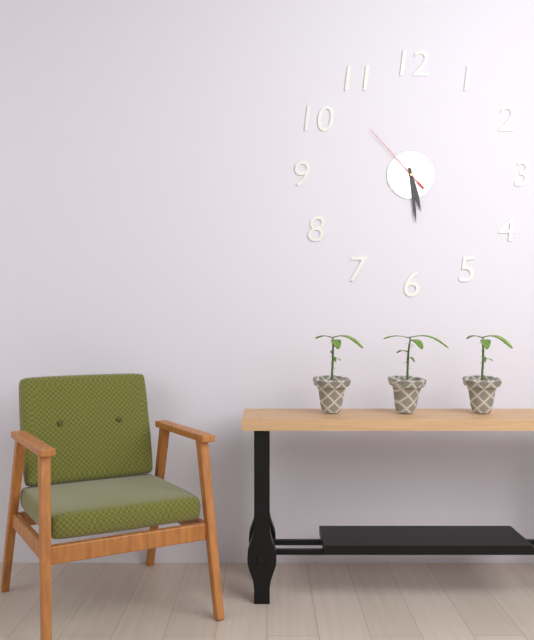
5:29:53
